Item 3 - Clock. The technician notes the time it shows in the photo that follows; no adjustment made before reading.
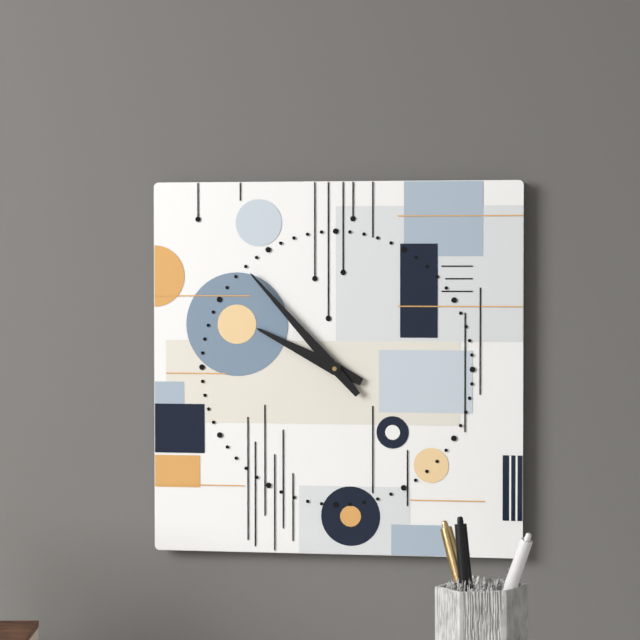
9:53
